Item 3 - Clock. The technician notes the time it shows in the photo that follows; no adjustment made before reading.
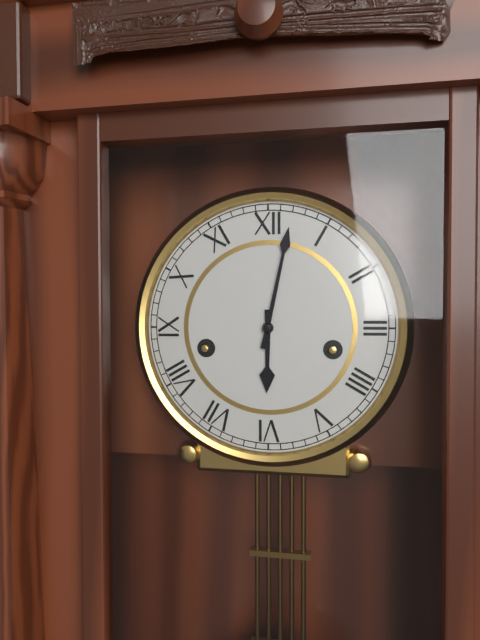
6:02
